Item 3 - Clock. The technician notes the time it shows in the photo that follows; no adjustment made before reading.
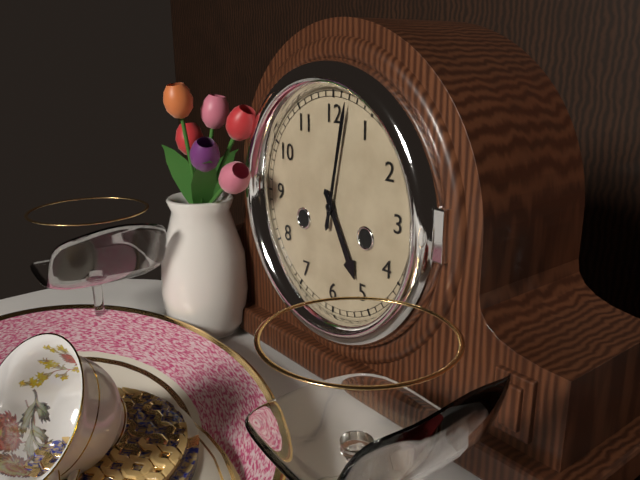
5:02
